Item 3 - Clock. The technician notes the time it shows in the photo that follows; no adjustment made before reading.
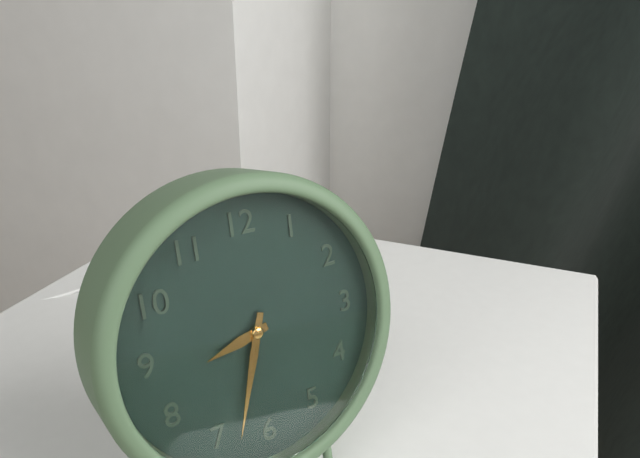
8:33
